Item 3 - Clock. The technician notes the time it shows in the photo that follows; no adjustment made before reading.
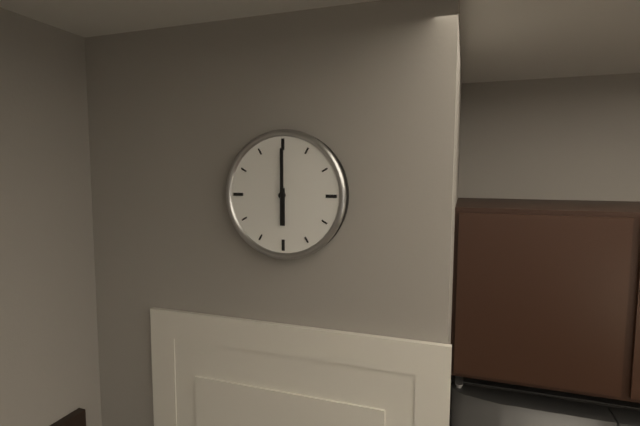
6:00
